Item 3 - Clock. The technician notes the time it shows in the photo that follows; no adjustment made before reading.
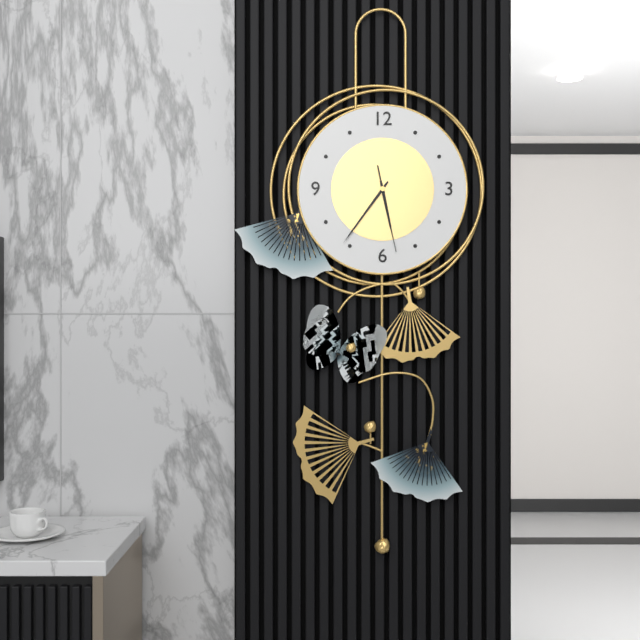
5:36:28
